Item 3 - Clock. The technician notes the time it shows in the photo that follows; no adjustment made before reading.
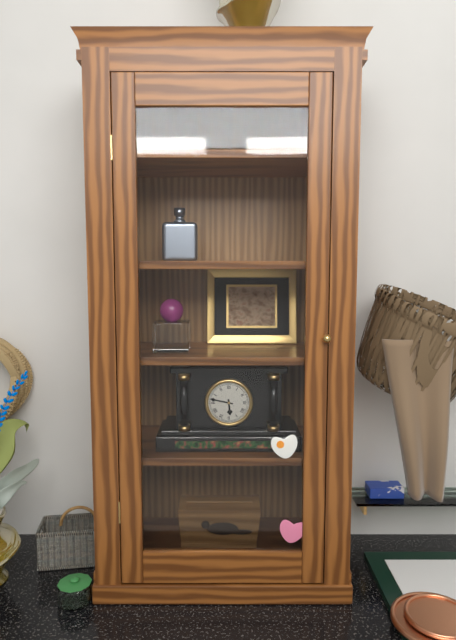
5:47
